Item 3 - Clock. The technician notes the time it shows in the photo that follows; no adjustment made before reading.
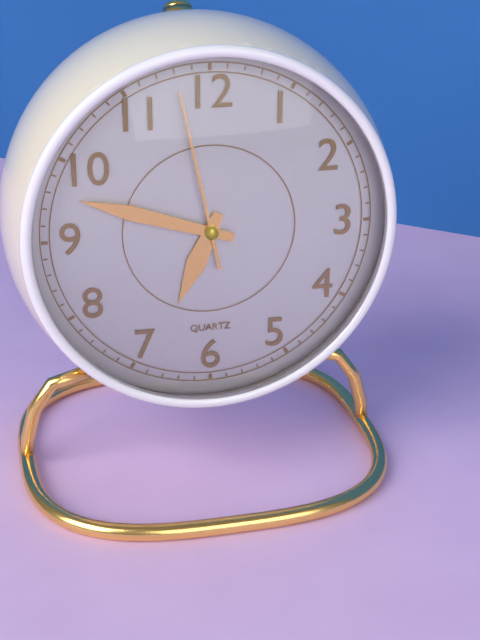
6:48:58
